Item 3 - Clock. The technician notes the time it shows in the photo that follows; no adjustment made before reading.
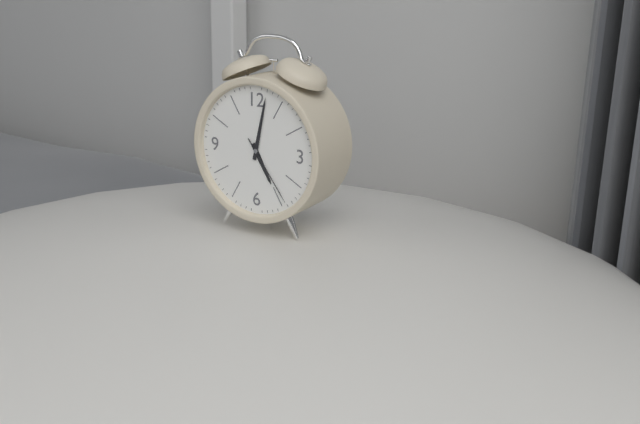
5:02:24
